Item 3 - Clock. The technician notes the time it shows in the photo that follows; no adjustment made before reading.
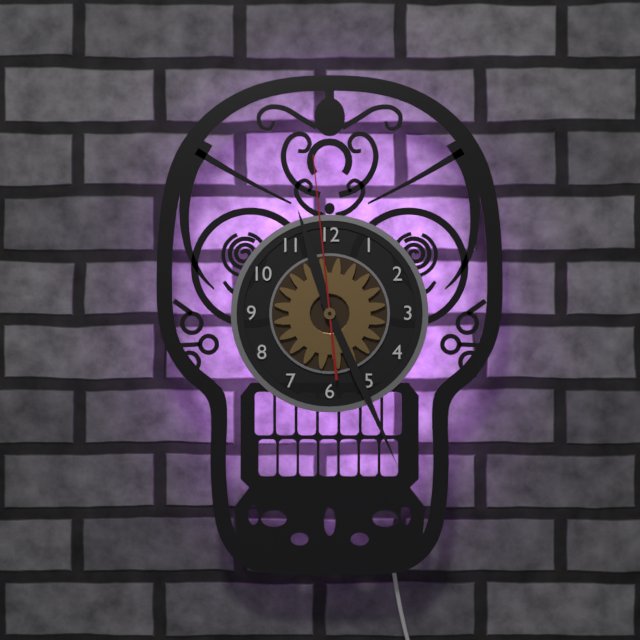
11:26:59
